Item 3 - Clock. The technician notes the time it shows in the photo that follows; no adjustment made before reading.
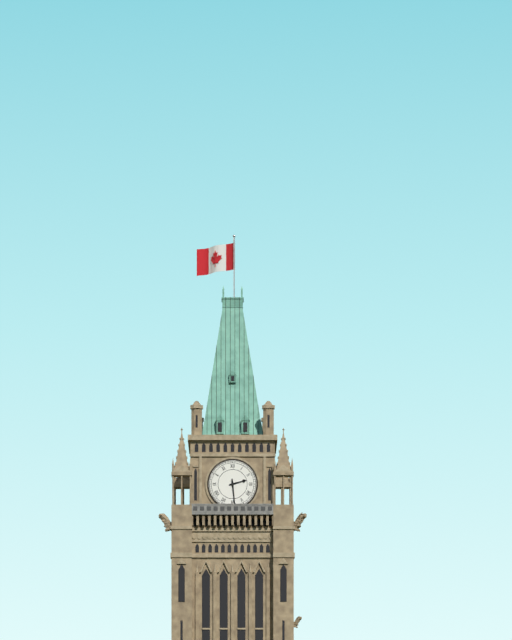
2:29
